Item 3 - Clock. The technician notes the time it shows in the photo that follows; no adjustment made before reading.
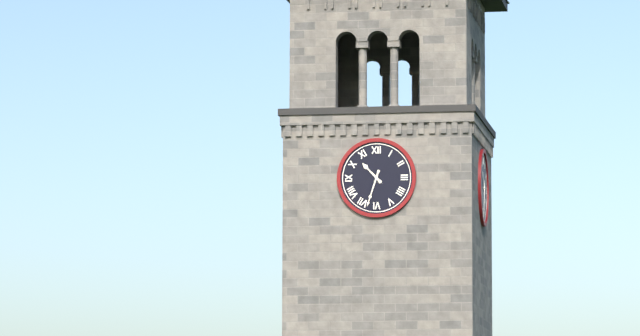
10:33
